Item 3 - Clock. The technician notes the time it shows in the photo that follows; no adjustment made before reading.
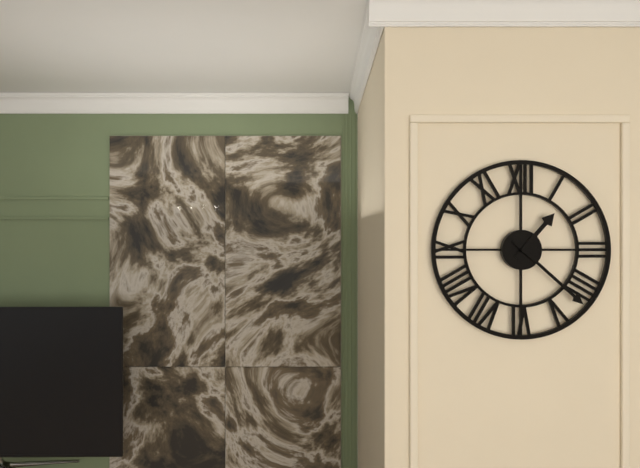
1:22
